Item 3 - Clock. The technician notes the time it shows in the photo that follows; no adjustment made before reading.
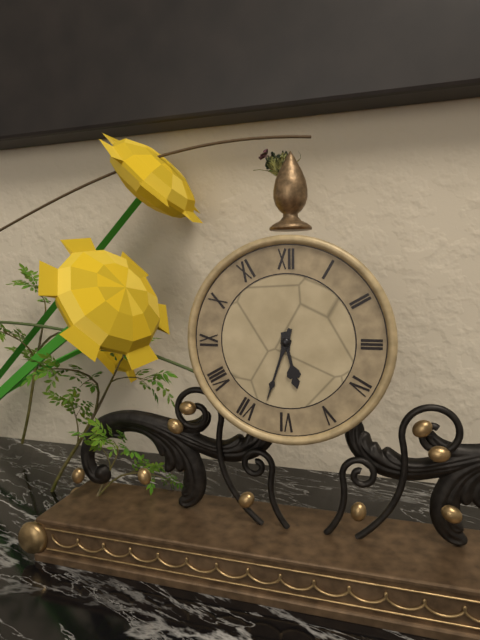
5:33
